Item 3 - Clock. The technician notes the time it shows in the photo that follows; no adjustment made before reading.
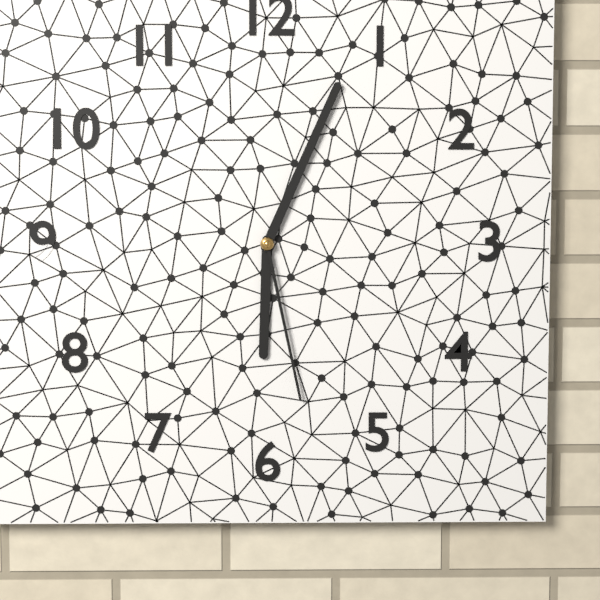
6:04:28
